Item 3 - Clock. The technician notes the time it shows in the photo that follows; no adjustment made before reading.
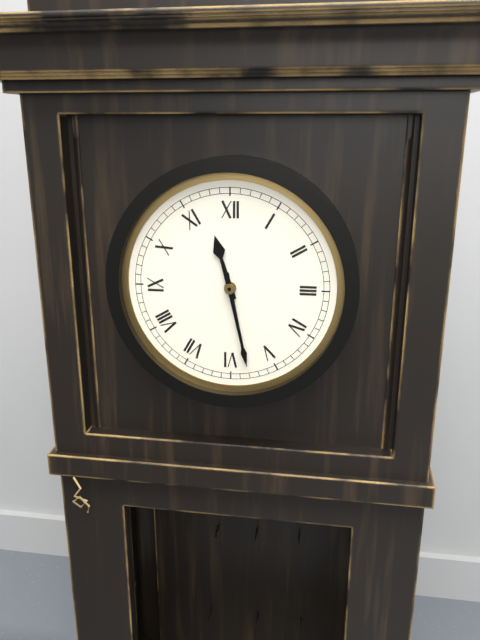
11:28
